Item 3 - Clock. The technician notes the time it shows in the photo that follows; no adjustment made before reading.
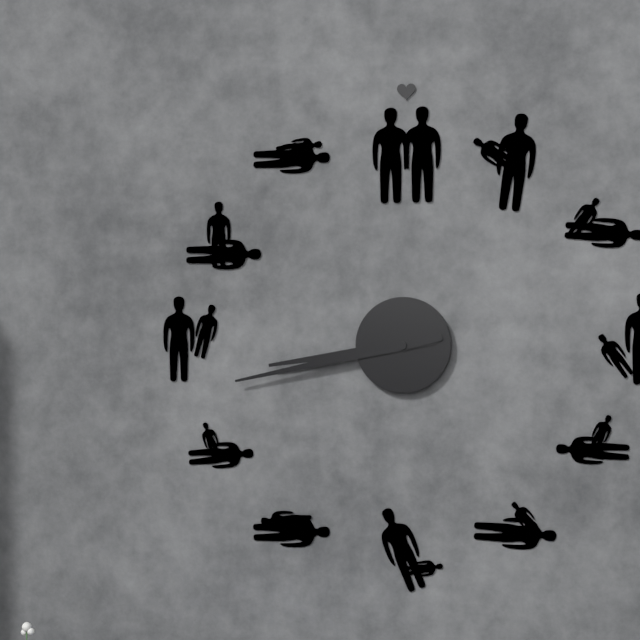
8:43
